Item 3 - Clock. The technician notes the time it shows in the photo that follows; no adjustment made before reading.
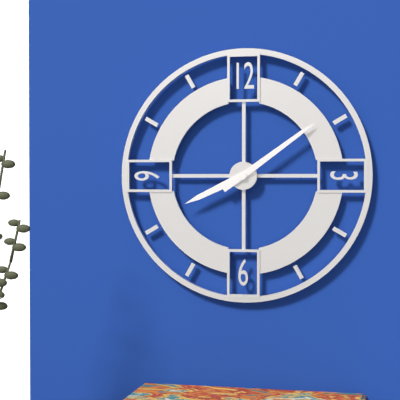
8:09
